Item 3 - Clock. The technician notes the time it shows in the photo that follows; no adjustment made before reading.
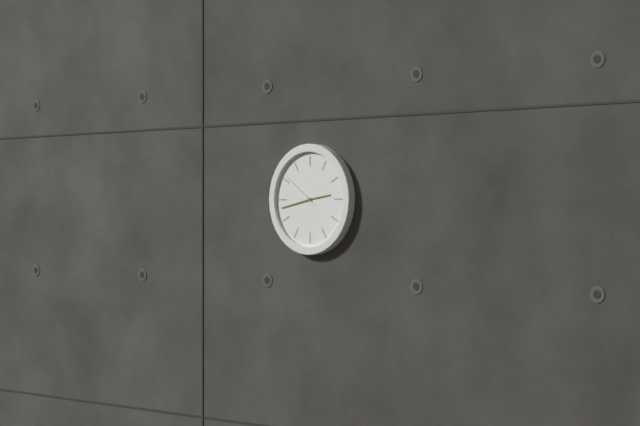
2:43
